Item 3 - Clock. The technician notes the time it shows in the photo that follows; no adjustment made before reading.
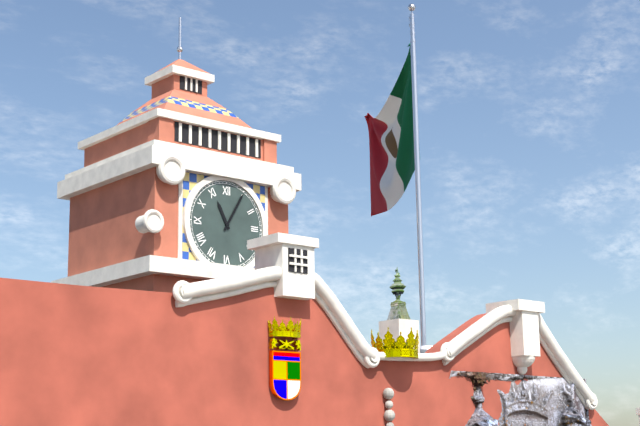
11:05
